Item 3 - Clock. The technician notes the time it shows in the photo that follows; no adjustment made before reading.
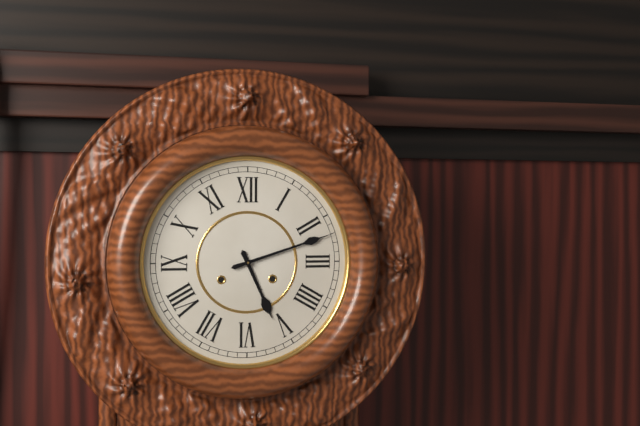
5:12
